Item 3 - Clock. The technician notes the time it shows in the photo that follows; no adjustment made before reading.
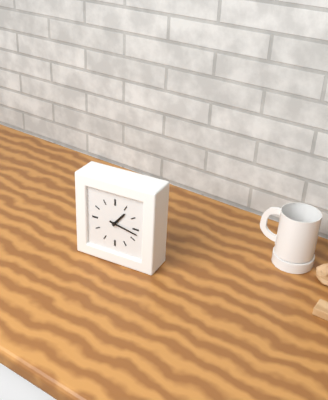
1:17
